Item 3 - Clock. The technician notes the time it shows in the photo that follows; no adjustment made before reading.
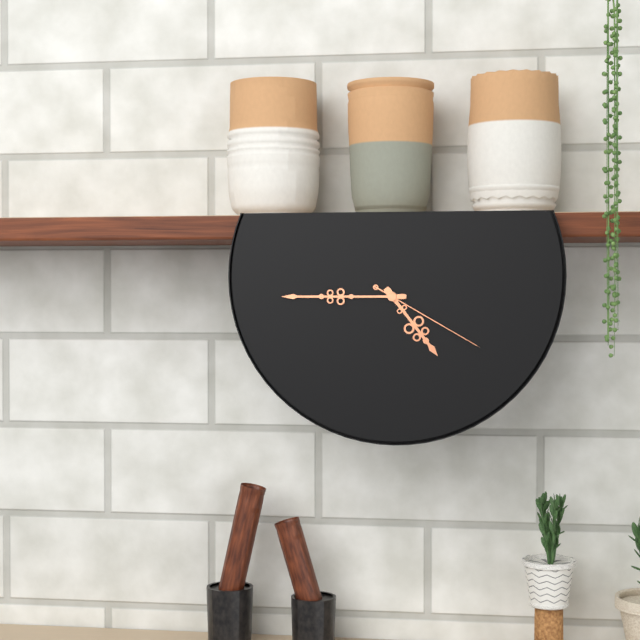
4:45:20
